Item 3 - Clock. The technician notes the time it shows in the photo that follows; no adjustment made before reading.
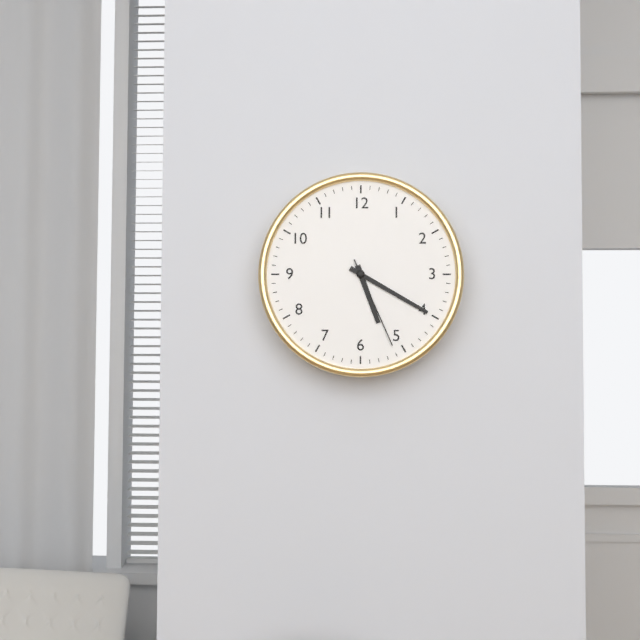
5:20:26
